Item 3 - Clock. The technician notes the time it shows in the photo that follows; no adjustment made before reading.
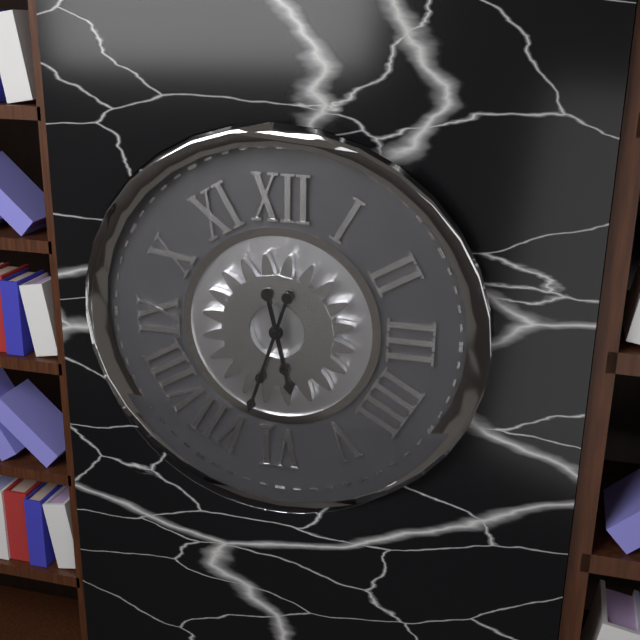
5:33
